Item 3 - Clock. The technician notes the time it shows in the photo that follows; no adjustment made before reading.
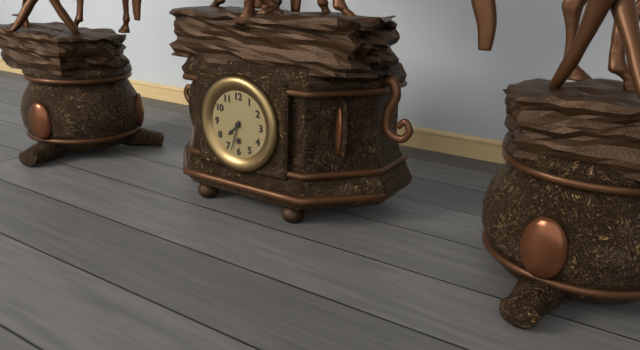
7:33
